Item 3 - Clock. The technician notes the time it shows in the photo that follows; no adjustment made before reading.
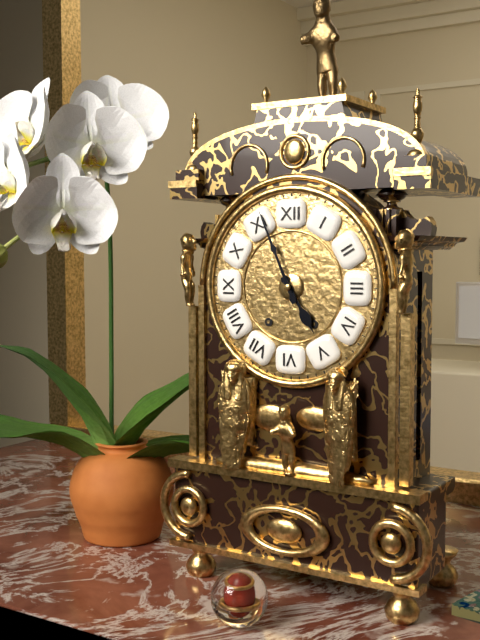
4:56
